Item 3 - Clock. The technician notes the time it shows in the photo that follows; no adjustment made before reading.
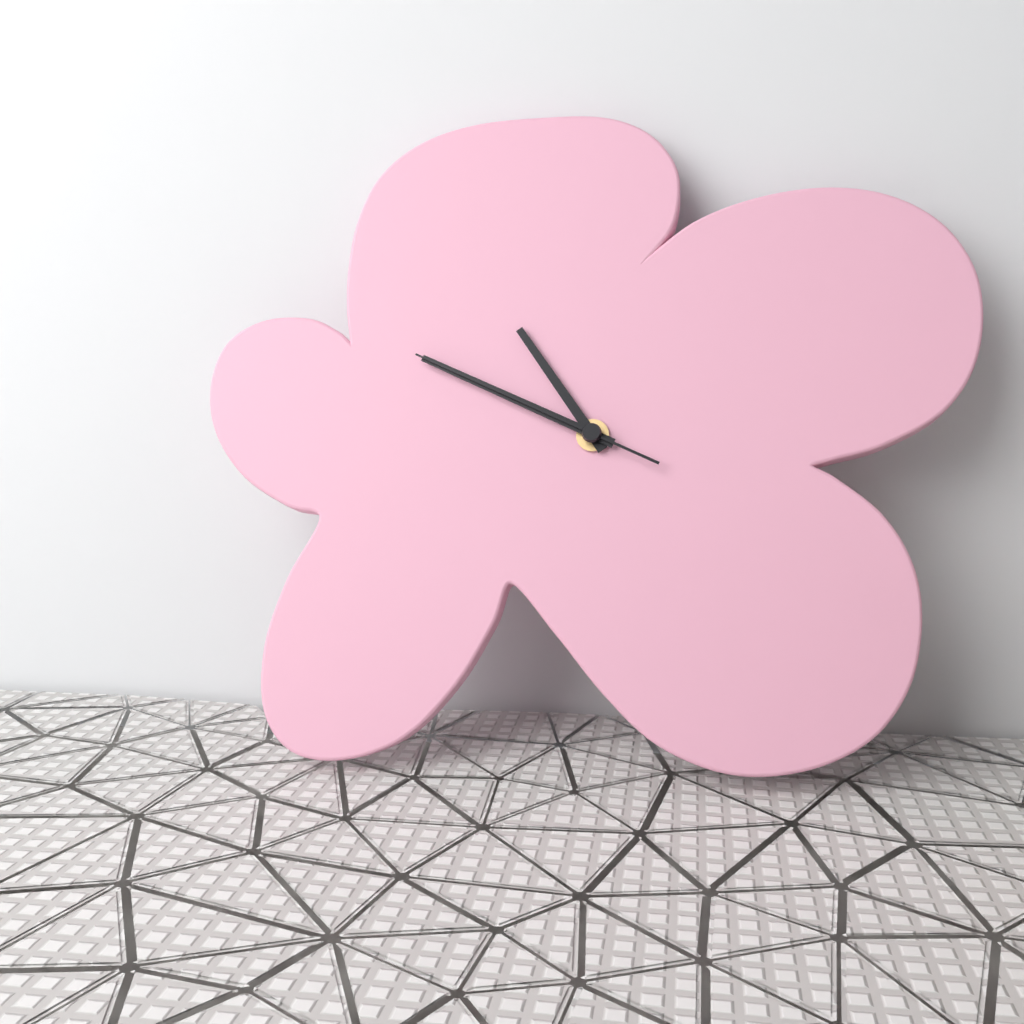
10:49:49
